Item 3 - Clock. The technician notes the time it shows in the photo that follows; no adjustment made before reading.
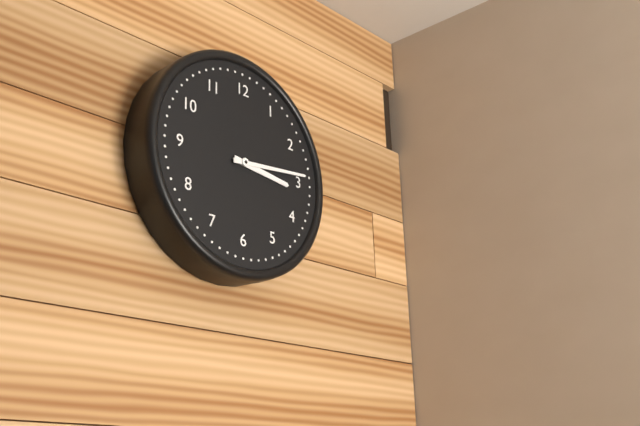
3:14
